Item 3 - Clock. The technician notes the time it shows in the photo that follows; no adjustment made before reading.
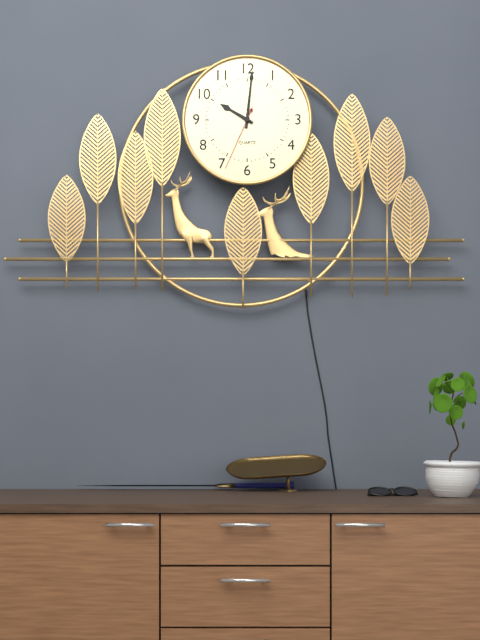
10:01:34
